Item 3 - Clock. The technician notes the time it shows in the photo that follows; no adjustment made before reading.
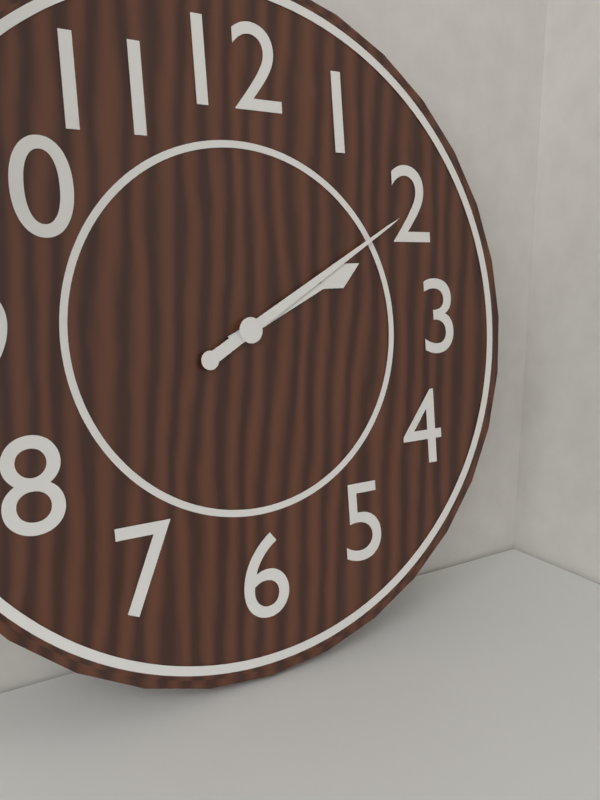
2:10
